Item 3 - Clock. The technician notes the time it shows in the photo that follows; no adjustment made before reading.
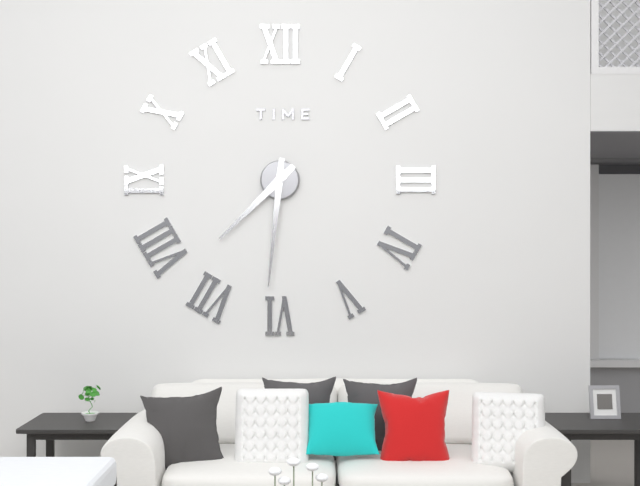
7:31
